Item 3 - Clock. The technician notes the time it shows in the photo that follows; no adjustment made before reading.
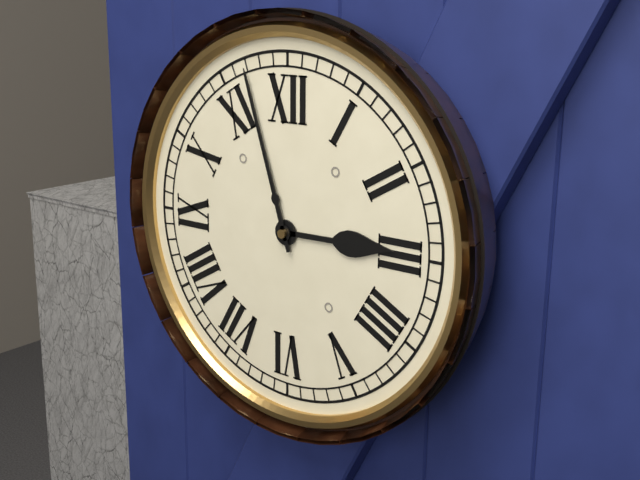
2:57
